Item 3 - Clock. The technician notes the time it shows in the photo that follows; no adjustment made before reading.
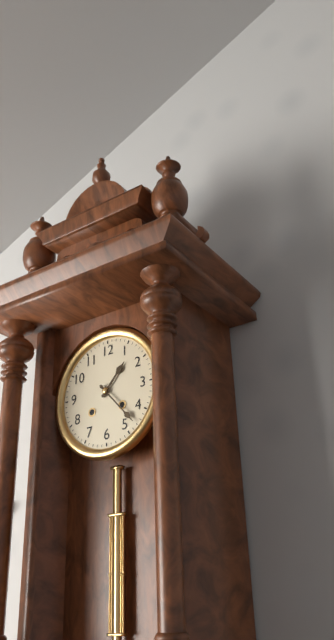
1:23
